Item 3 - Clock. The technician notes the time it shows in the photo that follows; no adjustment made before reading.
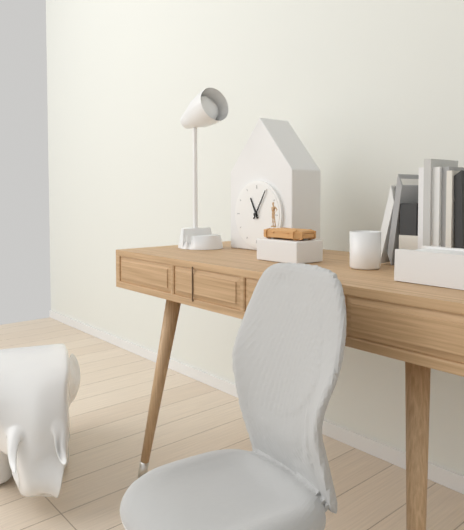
11:05
